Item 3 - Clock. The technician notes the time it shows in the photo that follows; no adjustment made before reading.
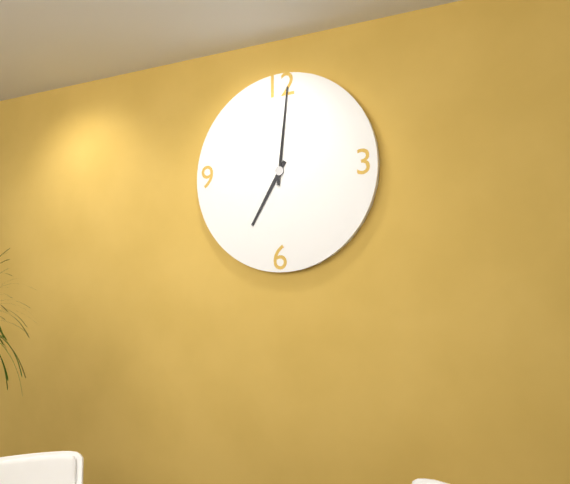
7:01
